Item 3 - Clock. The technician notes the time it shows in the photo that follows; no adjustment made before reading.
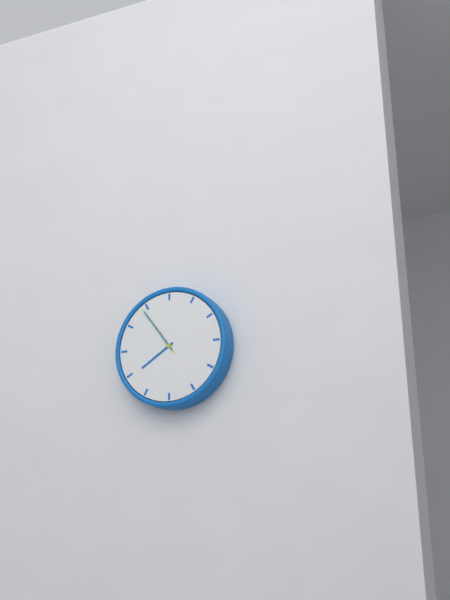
7:54:54
